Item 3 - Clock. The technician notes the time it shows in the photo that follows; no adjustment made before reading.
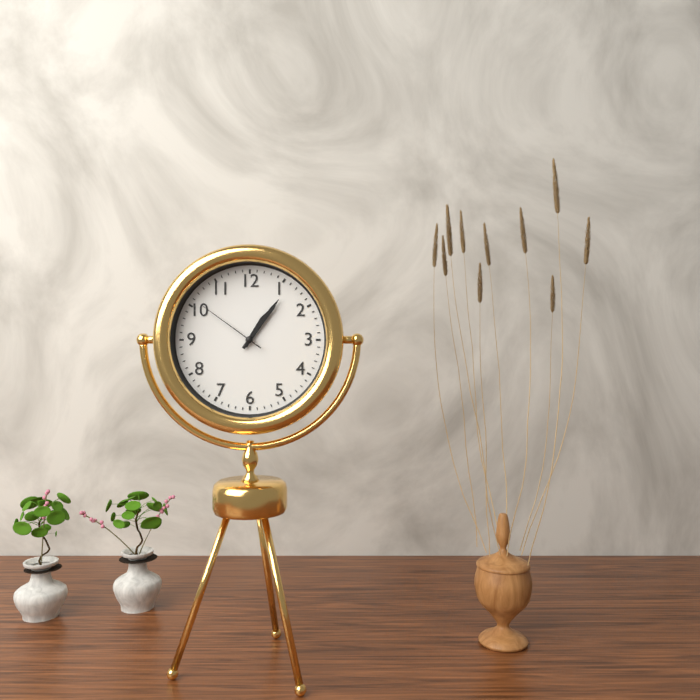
1:06:51
